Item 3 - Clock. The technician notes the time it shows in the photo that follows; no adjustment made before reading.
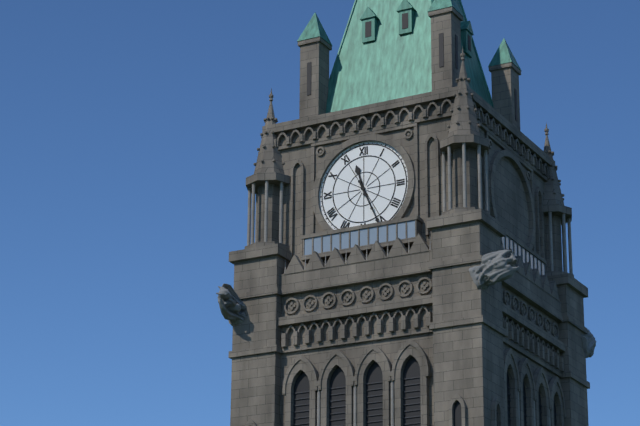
11:26
